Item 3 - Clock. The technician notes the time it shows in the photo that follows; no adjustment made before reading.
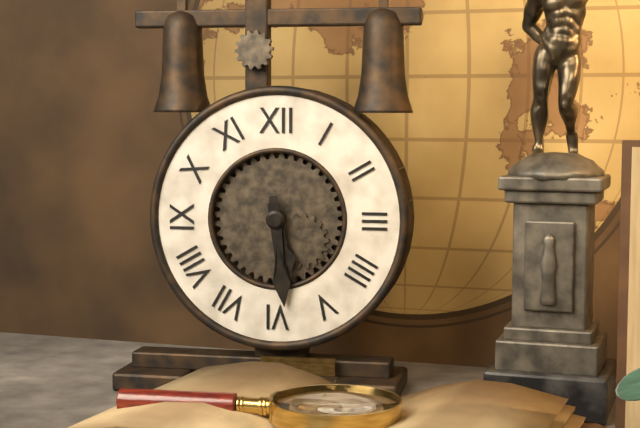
5:29
